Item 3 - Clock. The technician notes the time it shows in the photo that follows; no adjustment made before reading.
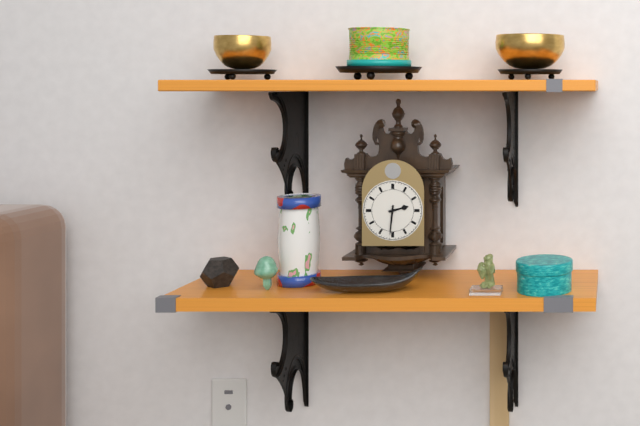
2:31
